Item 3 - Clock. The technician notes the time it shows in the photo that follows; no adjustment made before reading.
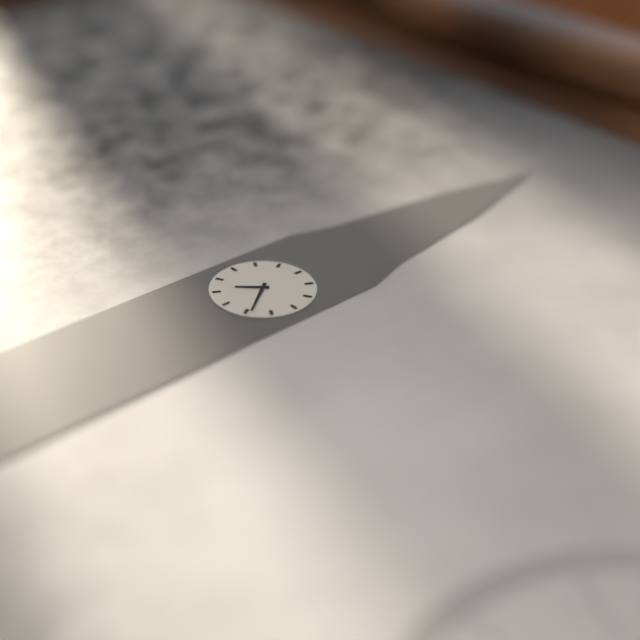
7:24
